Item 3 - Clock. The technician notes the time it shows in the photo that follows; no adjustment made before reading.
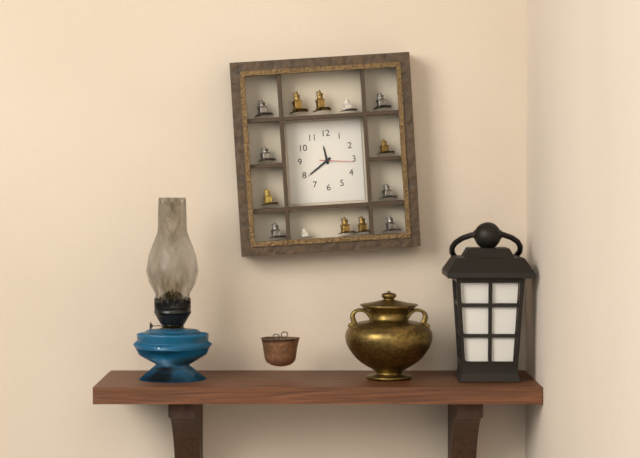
11:39
